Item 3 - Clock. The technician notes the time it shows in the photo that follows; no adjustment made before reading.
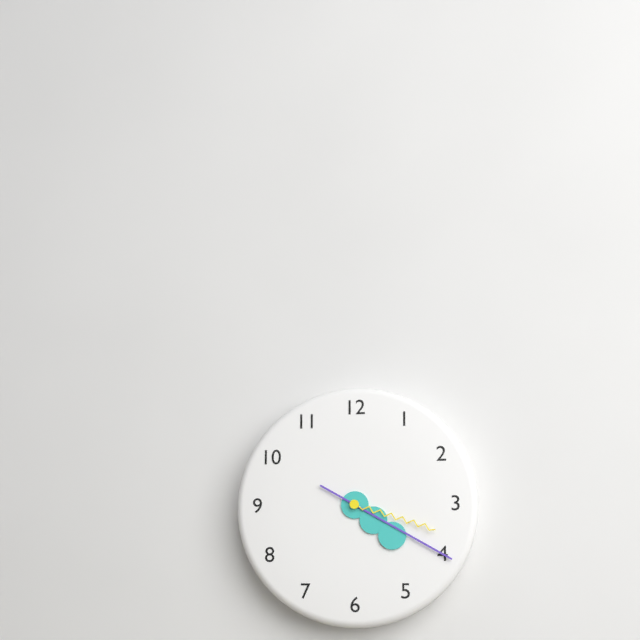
4:20:18
